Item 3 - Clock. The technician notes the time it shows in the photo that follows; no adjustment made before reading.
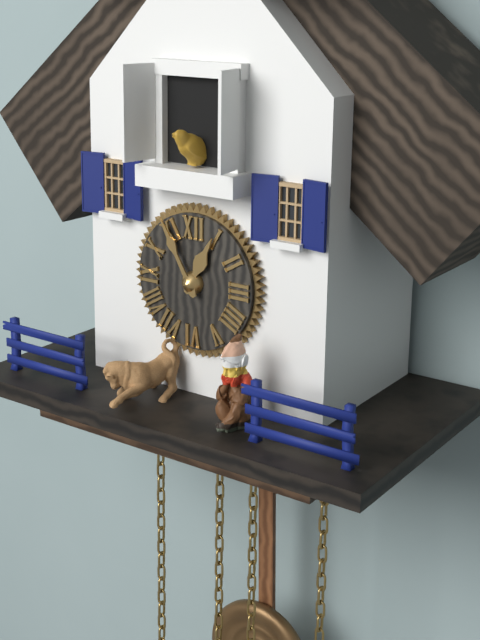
12:55
